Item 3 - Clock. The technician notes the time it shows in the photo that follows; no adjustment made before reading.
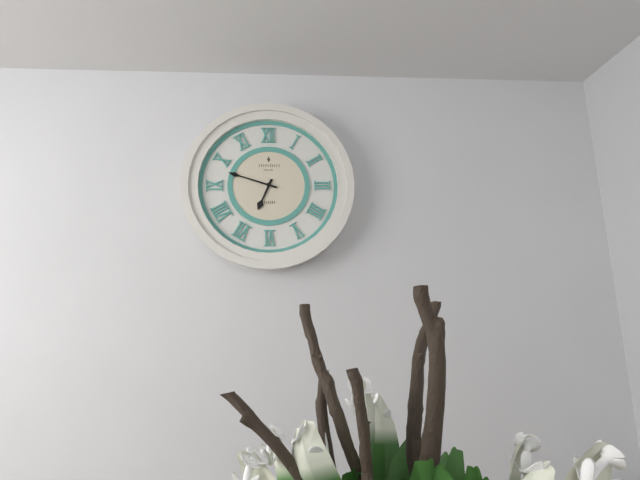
6:48
